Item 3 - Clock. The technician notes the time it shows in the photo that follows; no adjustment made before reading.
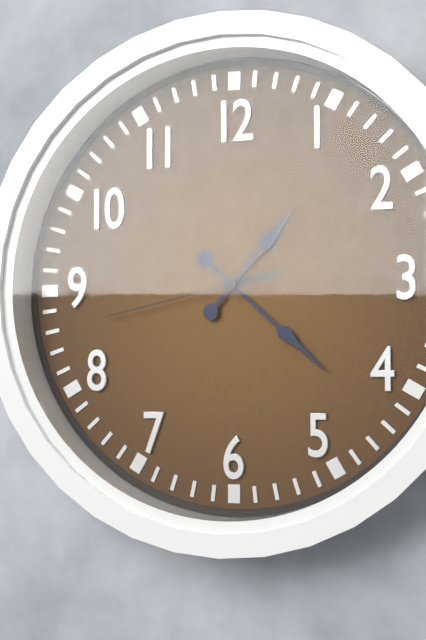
1:22:43
